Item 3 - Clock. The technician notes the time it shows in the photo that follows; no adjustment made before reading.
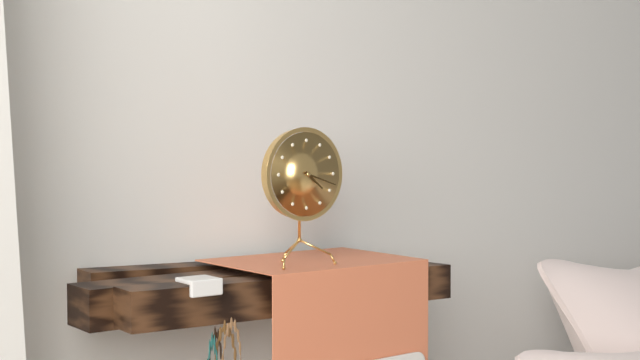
4:18
